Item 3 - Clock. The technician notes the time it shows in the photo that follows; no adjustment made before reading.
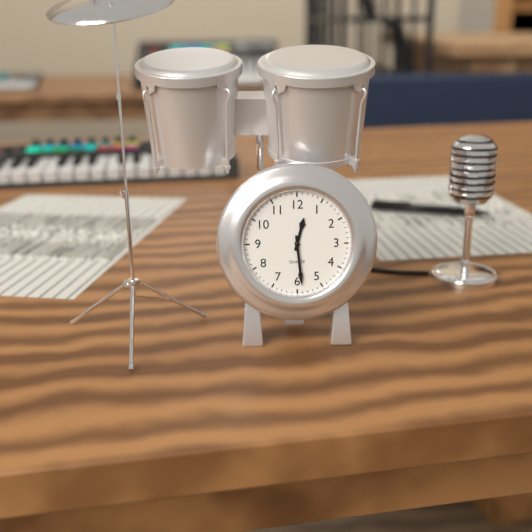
12:29
